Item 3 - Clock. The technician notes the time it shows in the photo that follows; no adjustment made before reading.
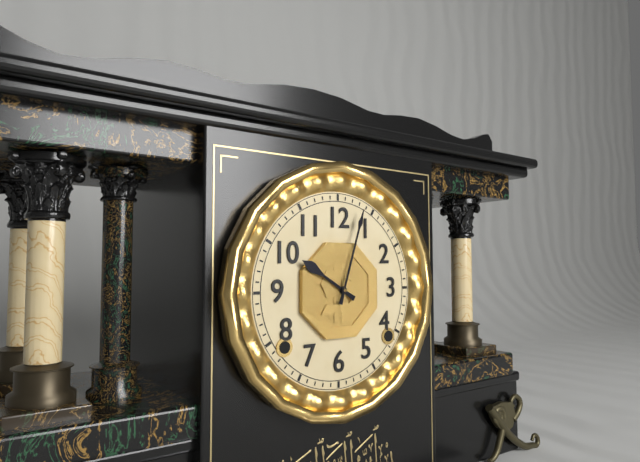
10:03
